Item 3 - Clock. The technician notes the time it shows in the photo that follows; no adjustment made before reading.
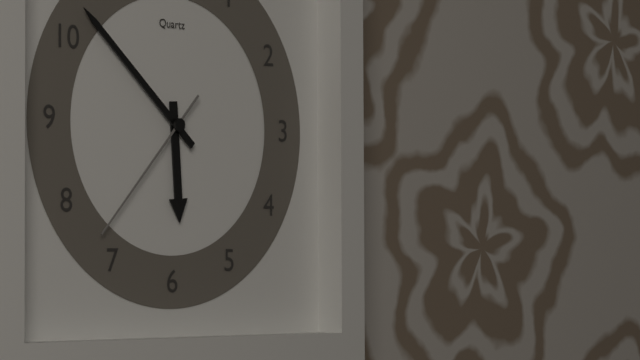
5:52:37
